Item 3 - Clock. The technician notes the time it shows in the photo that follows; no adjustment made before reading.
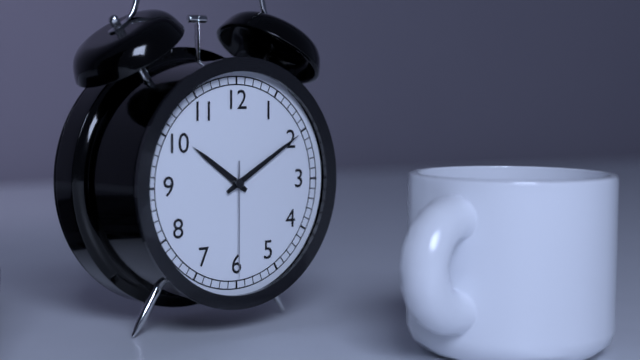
10:10:30
